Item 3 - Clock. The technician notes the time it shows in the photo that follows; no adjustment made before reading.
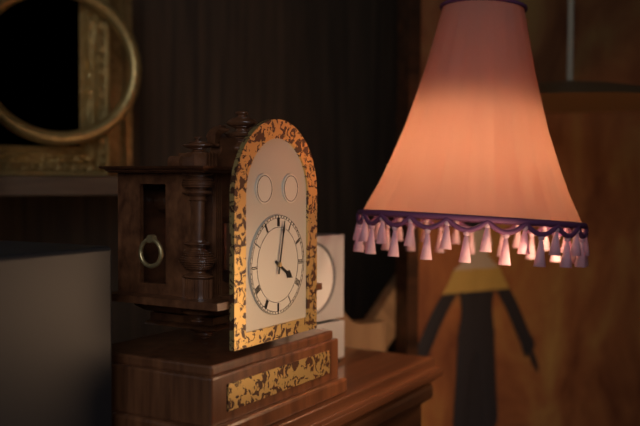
4:02
